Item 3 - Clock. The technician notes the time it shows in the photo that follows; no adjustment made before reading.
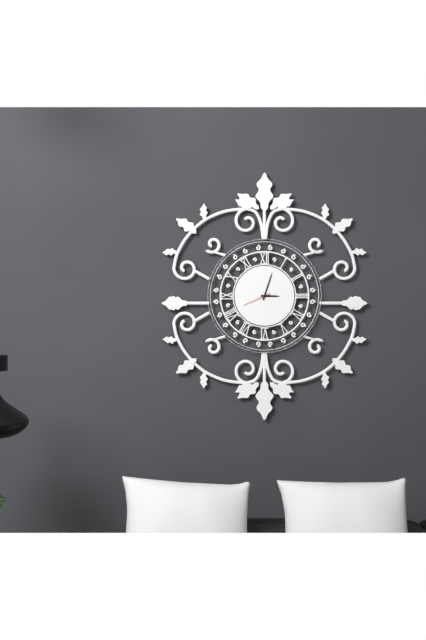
3:03
